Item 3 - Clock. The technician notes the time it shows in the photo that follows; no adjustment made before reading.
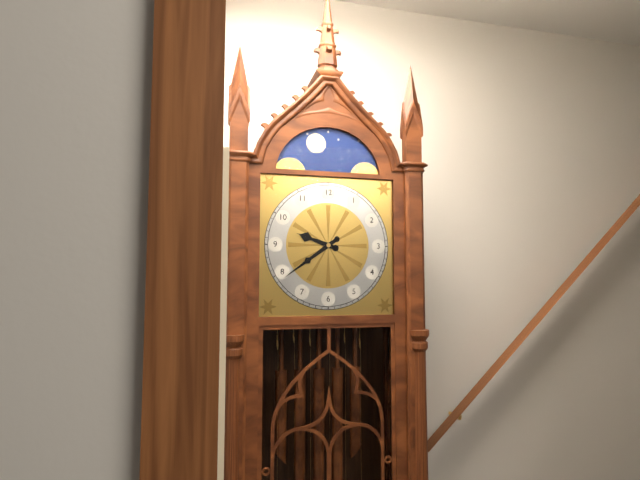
9:39
